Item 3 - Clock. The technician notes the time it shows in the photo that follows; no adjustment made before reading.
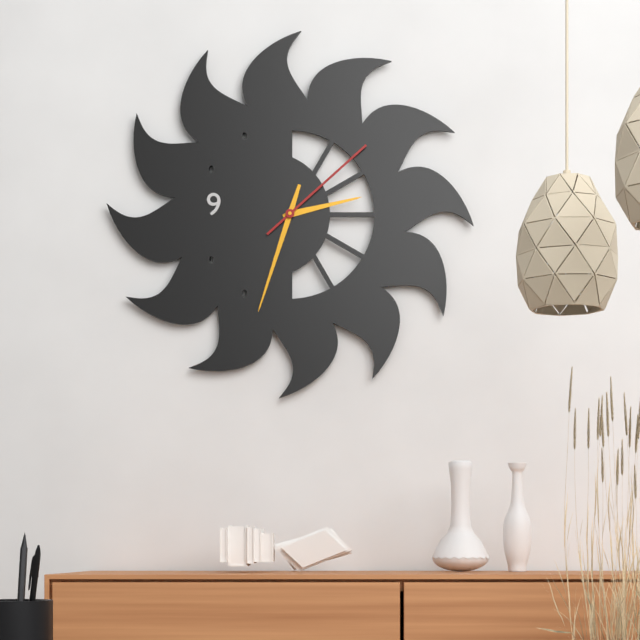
2:33:08
